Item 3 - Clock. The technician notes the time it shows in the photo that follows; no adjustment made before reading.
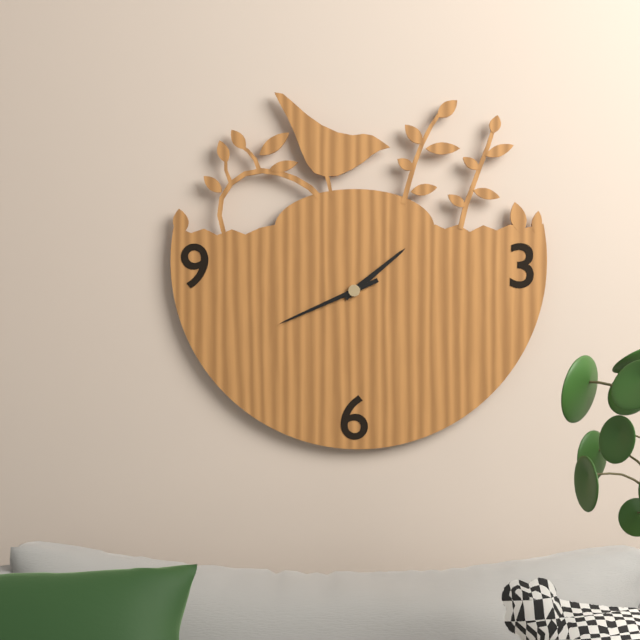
1:41
